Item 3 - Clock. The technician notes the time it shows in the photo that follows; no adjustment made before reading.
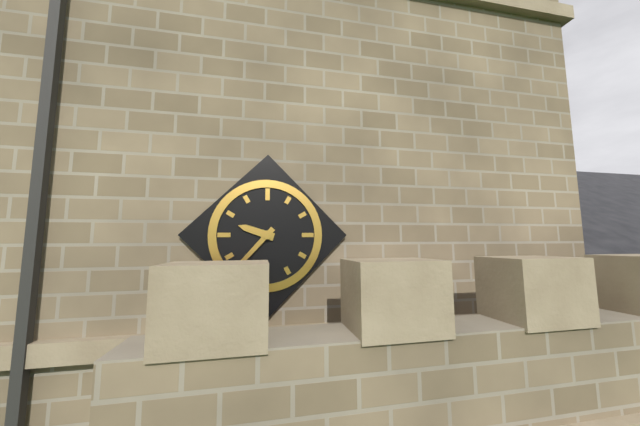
9:37
